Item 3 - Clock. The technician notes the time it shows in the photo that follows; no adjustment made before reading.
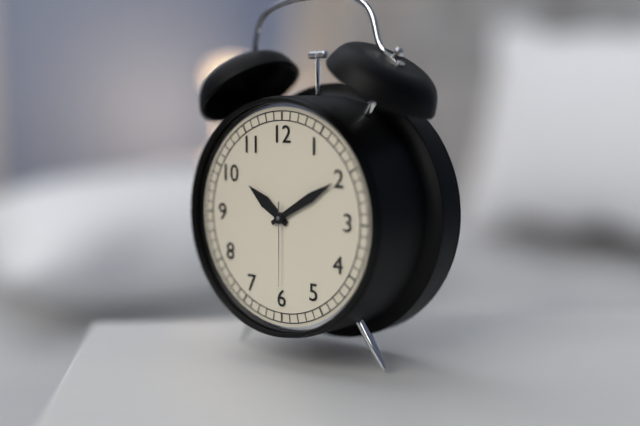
10:10:30
